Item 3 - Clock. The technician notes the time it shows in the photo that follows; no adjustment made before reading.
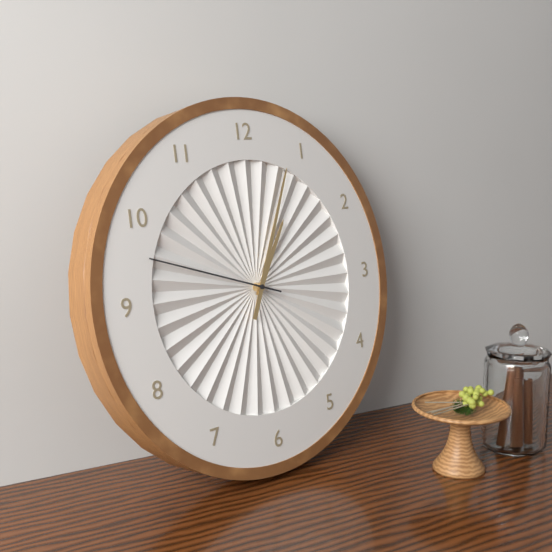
1:04:48
